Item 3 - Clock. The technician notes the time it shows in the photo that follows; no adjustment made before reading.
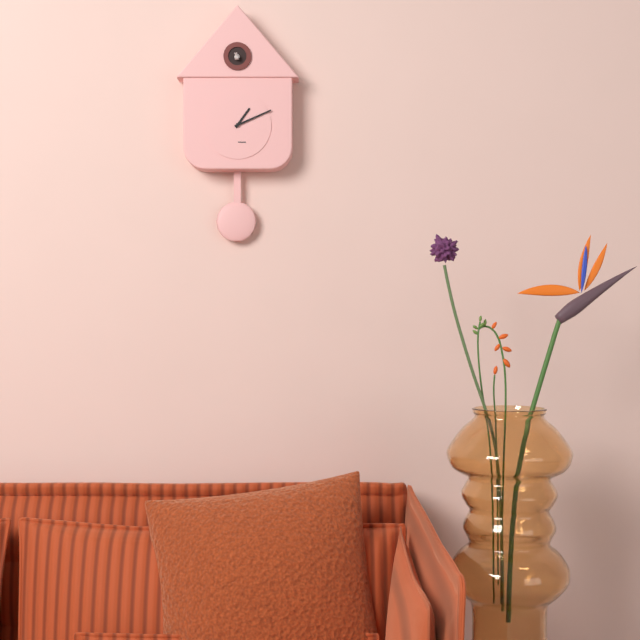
1:11
